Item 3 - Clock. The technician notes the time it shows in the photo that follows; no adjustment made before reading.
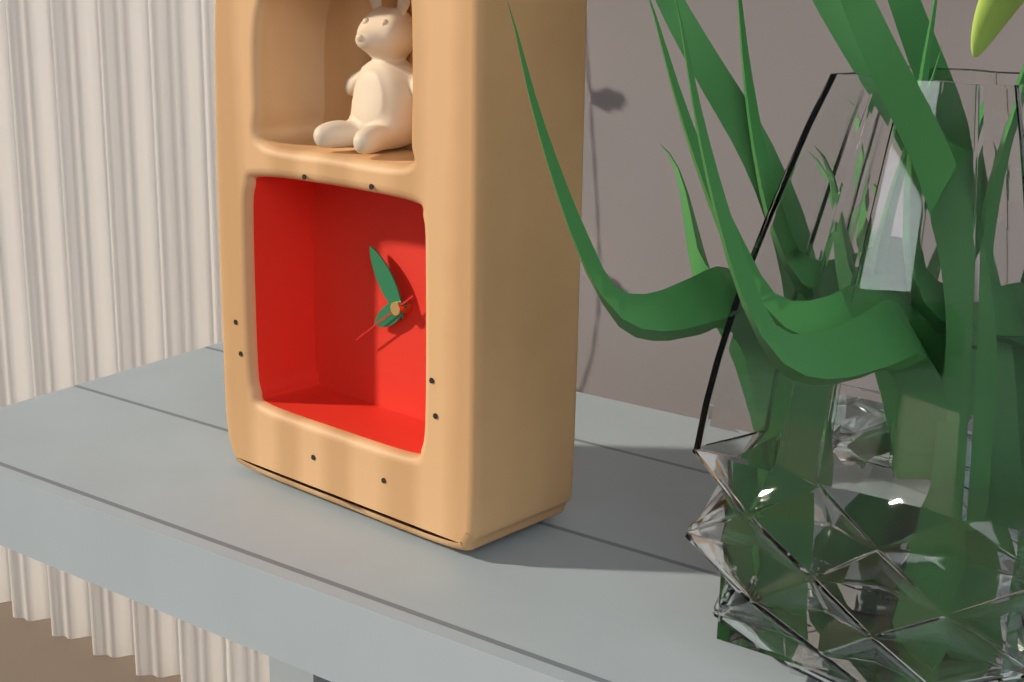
7:54:39
